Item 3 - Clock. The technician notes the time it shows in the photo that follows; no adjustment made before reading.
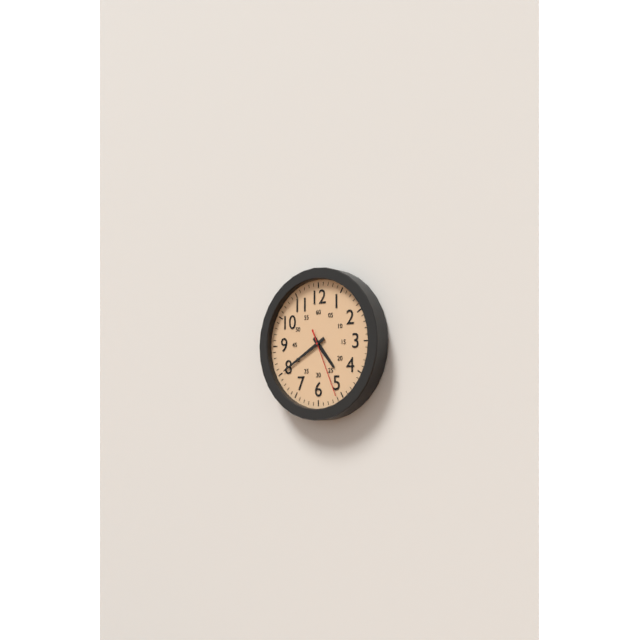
4:40:26
